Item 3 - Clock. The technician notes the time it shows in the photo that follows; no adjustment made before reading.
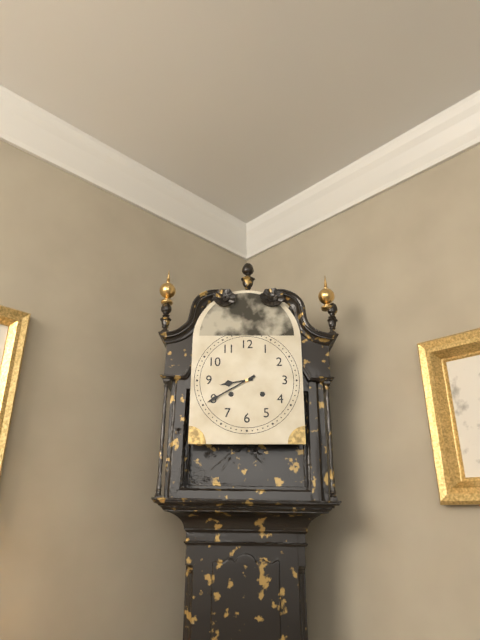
8:40
